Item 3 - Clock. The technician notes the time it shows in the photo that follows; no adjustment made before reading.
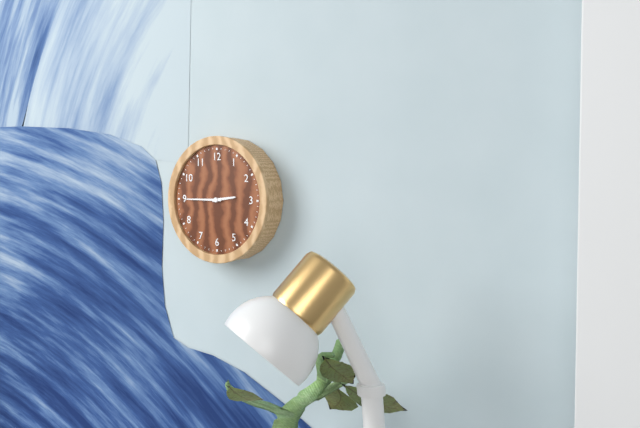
2:45
